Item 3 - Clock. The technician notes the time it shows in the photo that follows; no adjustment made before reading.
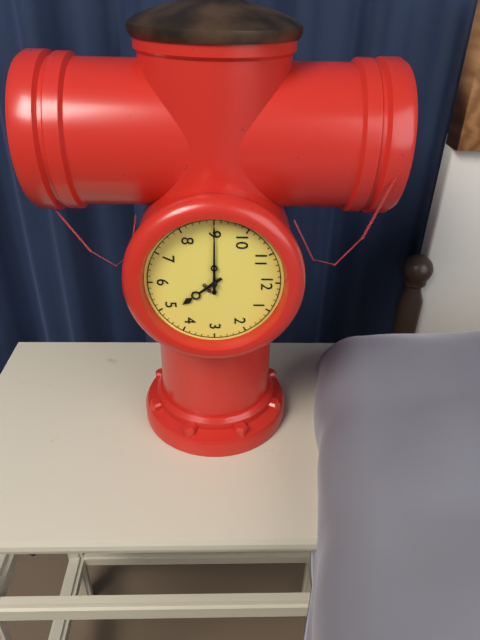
4:45
